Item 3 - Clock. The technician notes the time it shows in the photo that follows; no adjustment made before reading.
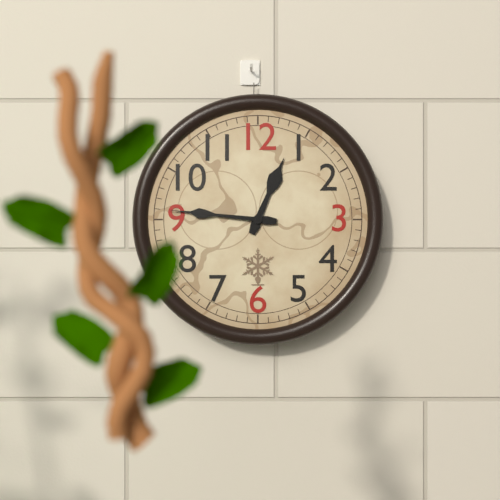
12:46
